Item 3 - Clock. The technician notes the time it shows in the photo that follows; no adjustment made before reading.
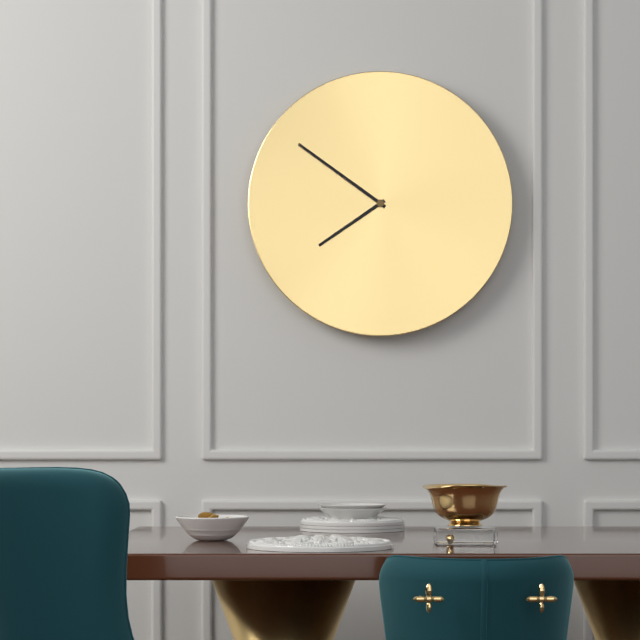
7:51
